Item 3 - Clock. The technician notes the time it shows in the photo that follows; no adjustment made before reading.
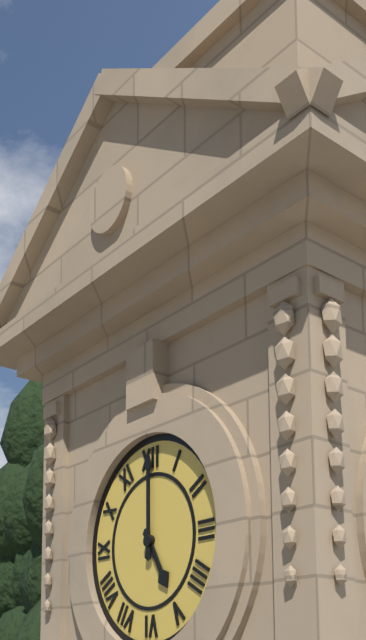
5:00
